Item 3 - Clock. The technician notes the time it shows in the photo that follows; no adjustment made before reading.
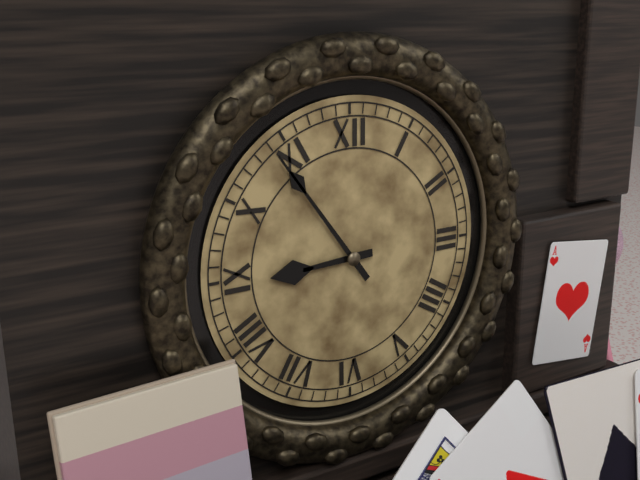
8:54
